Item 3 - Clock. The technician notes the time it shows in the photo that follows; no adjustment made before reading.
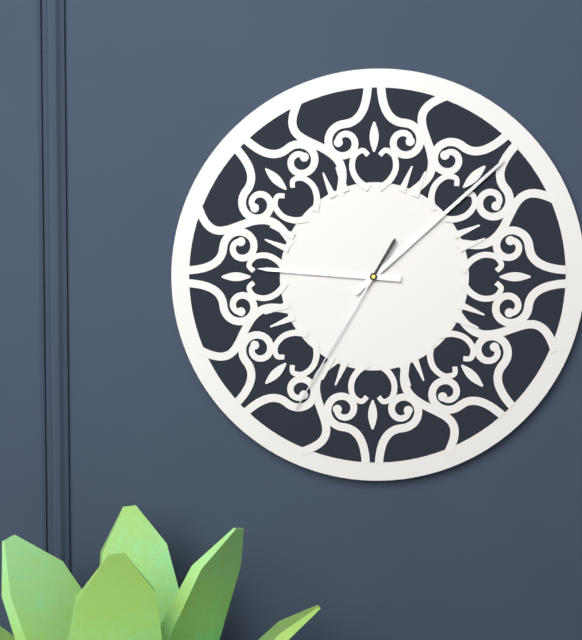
9:08:35
